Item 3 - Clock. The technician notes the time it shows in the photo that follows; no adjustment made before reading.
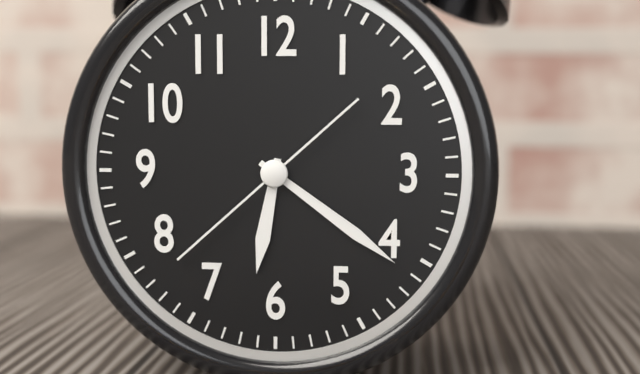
6:21:38
